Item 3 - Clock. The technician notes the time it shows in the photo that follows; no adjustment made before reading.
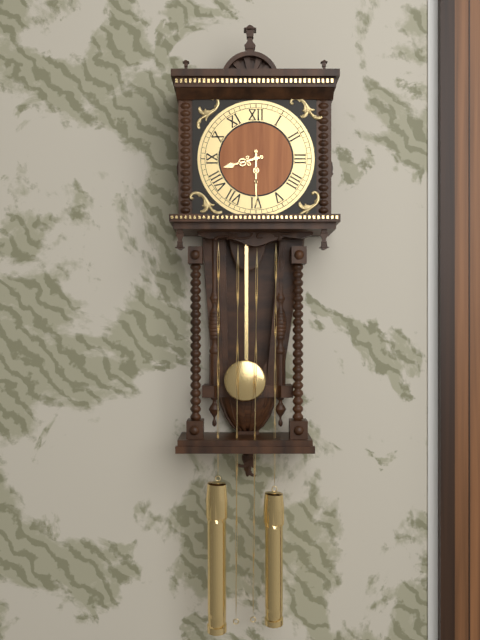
8:30
